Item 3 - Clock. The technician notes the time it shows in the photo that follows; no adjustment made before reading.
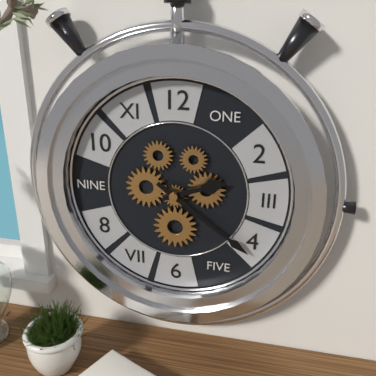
2:21
